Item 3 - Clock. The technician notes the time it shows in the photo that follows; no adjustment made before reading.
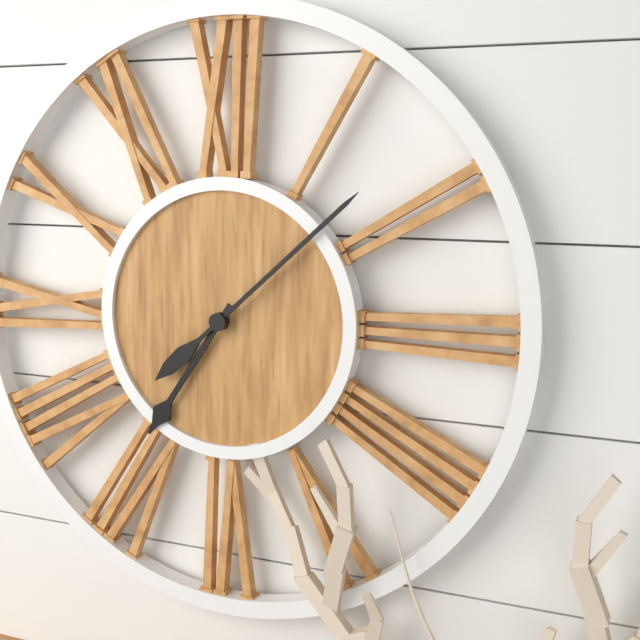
7:08
